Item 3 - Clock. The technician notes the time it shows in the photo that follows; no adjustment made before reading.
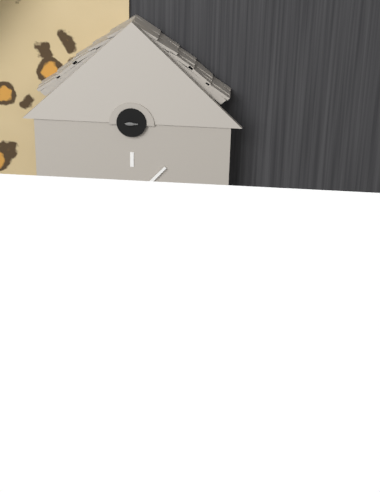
2:07
